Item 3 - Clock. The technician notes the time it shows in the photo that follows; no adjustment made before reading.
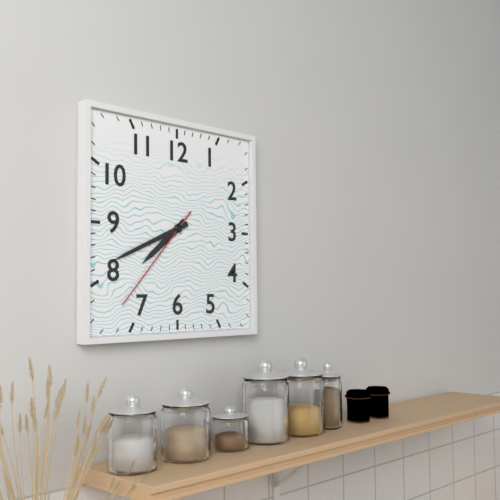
7:41:37
